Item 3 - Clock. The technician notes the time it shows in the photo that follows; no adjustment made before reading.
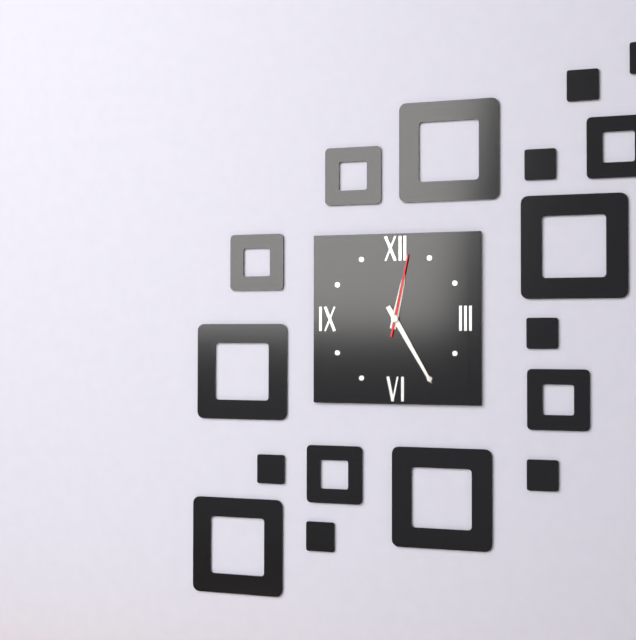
12:25:02
